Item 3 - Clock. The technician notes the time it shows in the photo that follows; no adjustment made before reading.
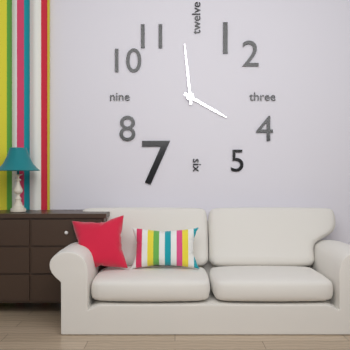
3:59
